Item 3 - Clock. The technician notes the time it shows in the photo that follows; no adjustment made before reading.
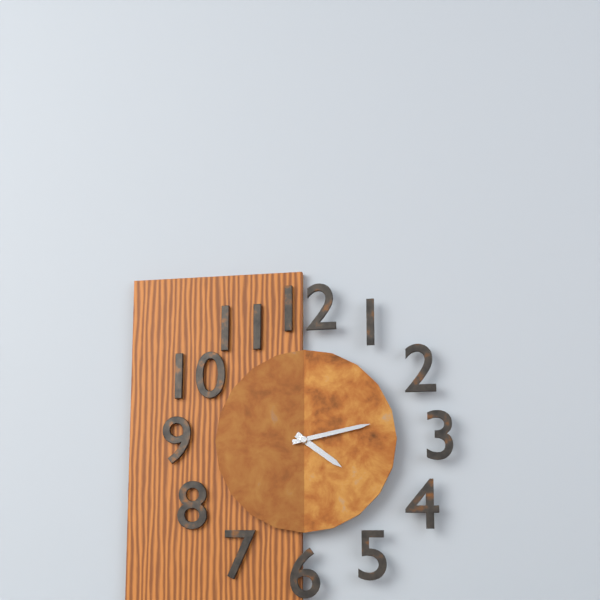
4:13
